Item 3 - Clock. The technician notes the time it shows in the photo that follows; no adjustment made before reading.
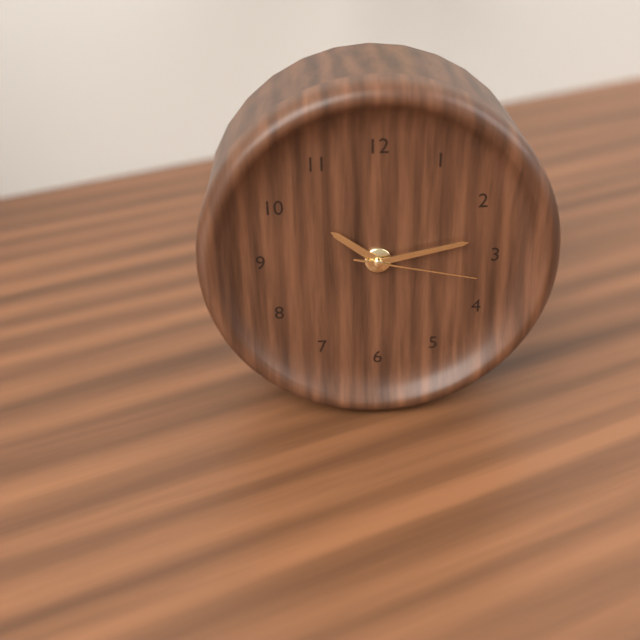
10:13:17
